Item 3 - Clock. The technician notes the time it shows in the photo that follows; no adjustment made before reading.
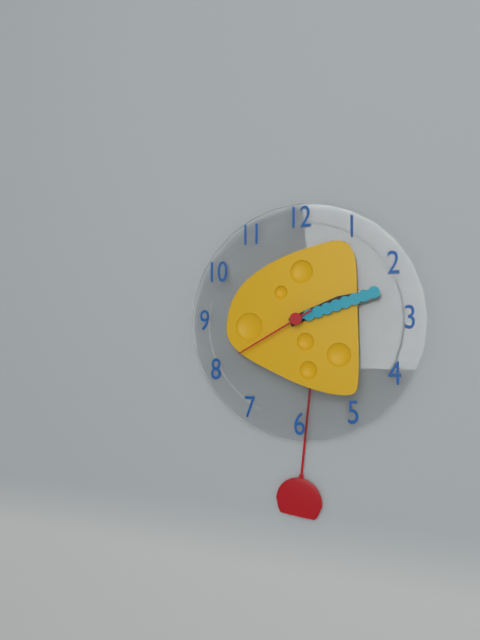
2:12:40
